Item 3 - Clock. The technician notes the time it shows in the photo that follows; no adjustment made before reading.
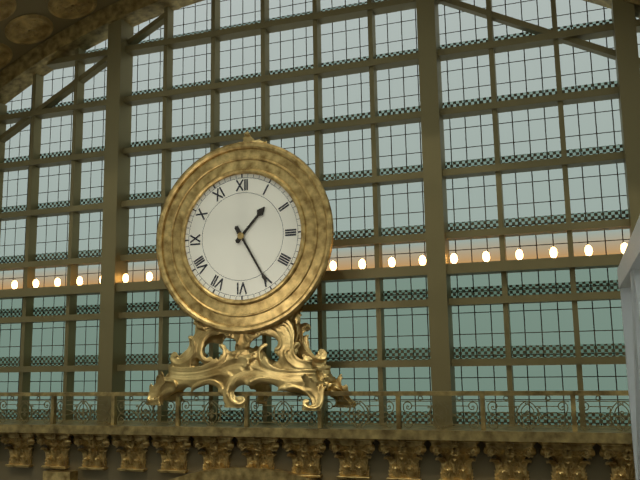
1:25
